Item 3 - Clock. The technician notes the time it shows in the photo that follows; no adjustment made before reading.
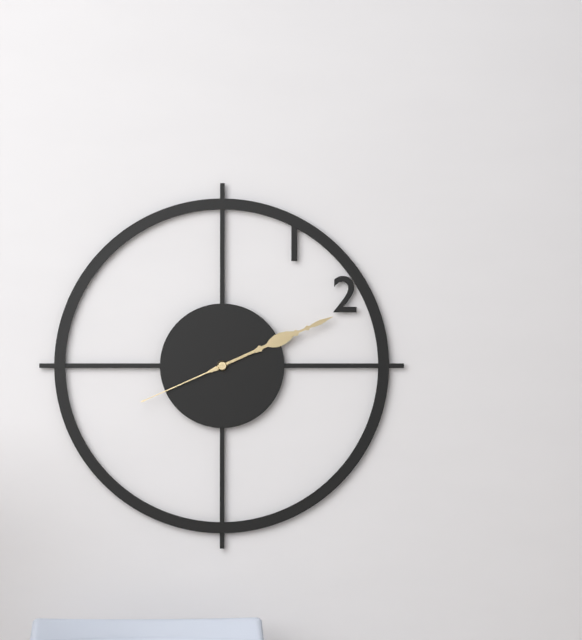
2:11:41
